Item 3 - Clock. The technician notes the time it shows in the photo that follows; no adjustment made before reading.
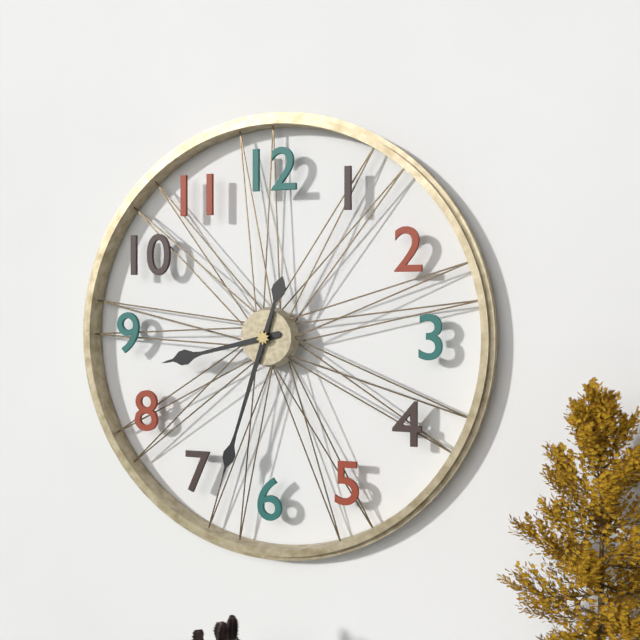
8:33
